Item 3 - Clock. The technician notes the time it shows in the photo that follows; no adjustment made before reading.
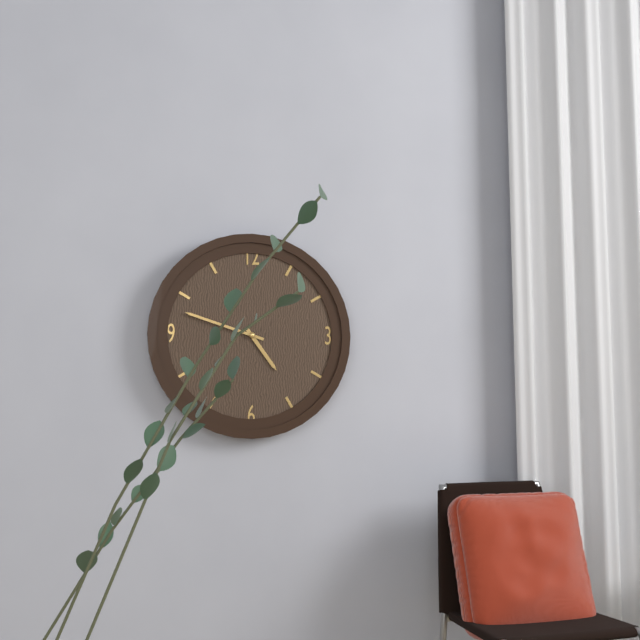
4:48
